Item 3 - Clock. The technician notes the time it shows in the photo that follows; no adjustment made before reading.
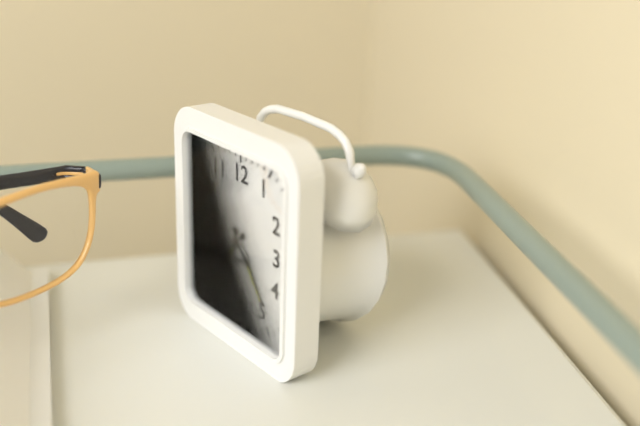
7:24:51
